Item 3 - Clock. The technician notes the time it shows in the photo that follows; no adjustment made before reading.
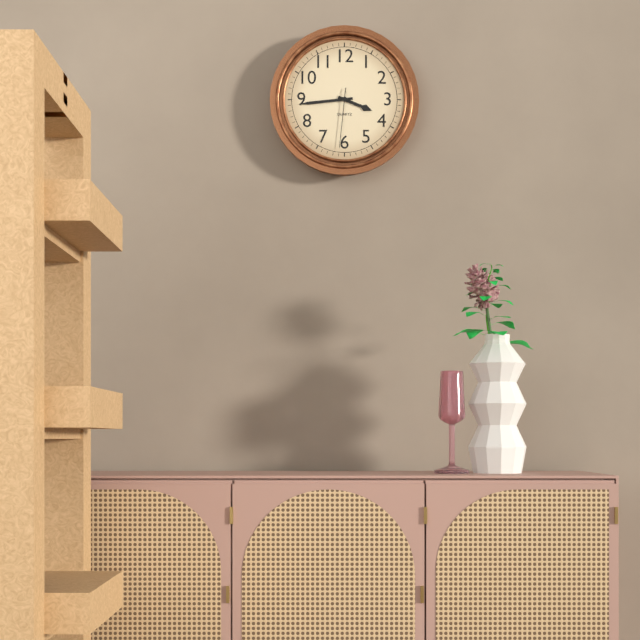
3:44:31
